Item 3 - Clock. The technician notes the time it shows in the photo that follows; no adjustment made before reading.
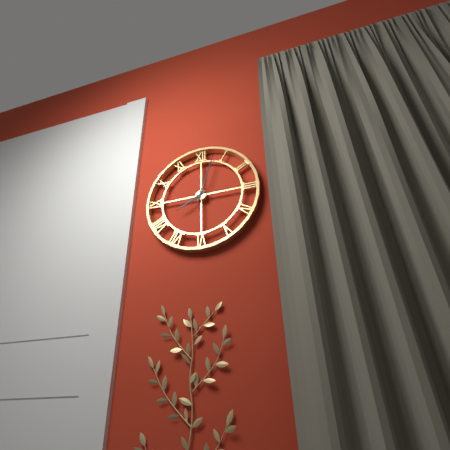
8:03
